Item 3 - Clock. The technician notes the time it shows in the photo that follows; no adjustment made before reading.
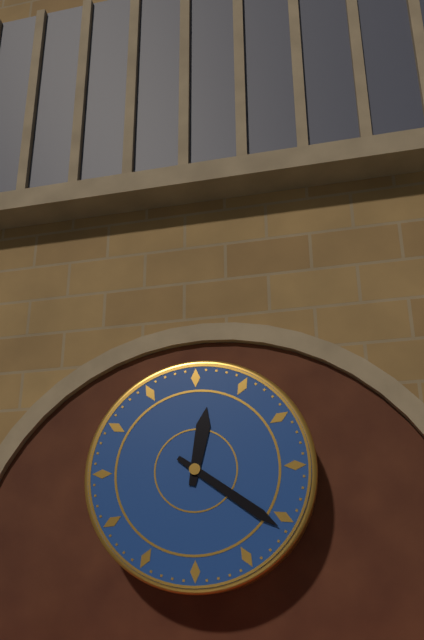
12:21
